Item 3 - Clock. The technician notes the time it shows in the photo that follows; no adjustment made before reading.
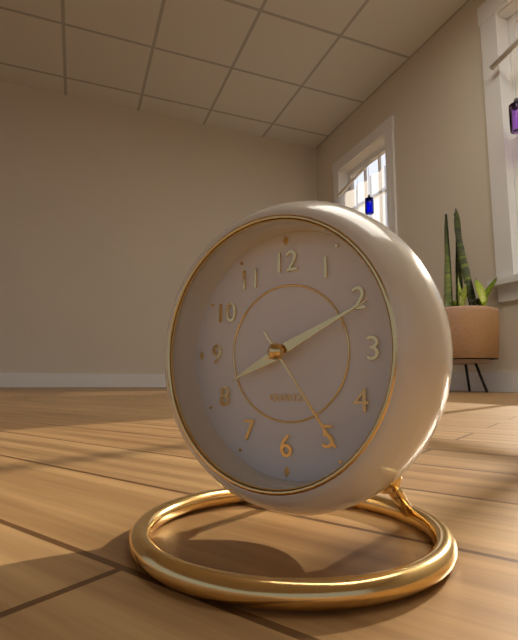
8:11:24
